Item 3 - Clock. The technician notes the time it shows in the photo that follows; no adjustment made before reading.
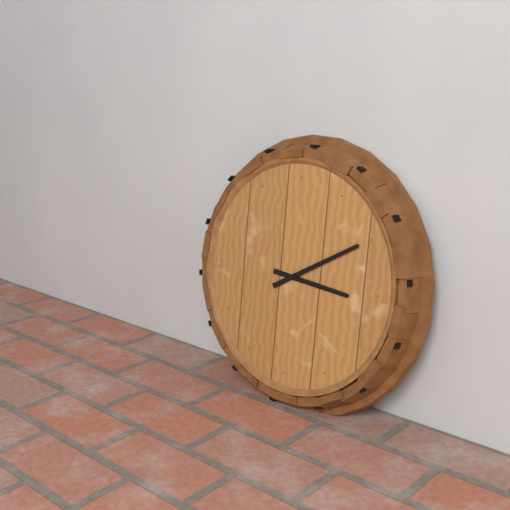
3:10
